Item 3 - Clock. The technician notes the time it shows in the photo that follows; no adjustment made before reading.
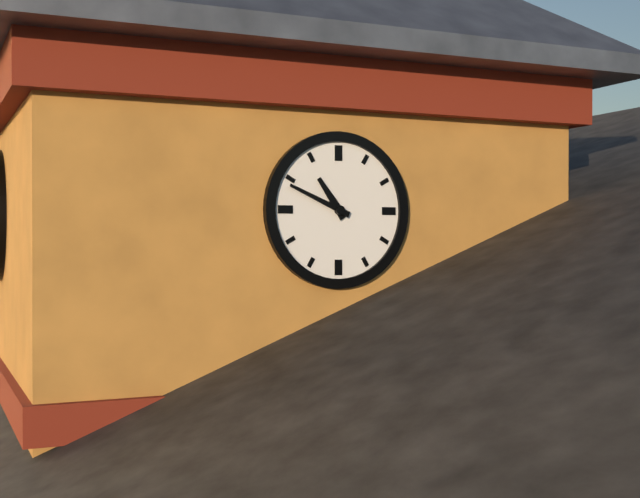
10:49
